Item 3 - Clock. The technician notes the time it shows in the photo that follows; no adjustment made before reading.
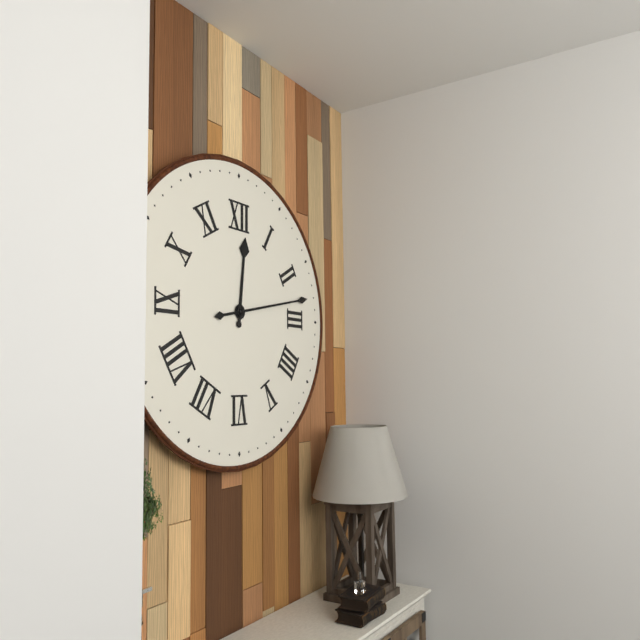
12:13
